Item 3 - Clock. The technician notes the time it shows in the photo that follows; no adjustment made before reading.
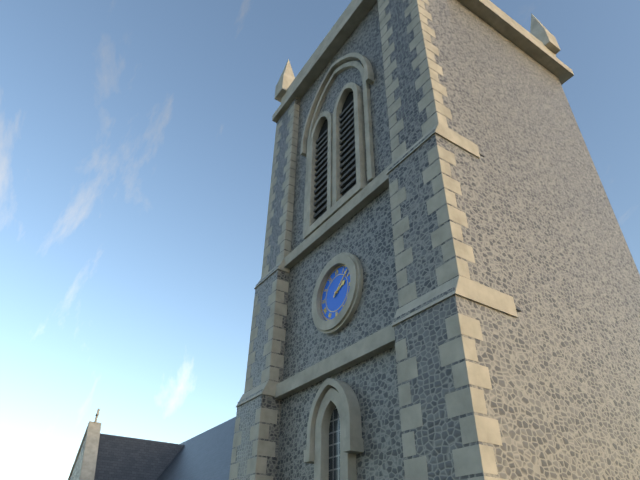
2:08
